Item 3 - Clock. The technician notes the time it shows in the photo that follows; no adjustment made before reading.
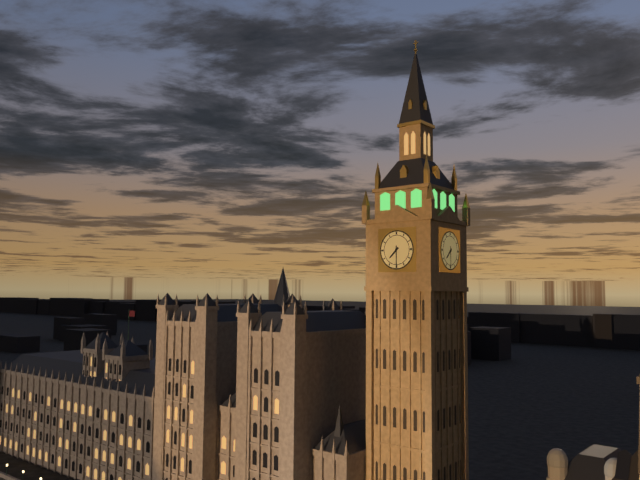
7:30
